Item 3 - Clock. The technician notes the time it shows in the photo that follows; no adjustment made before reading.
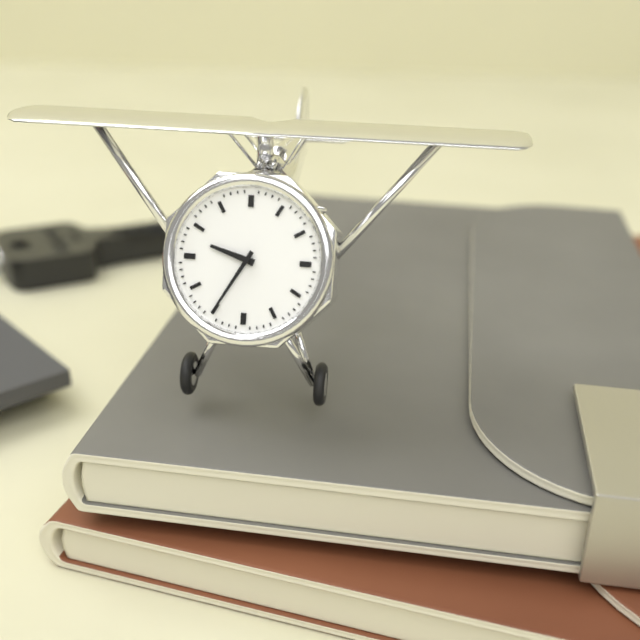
9:35
